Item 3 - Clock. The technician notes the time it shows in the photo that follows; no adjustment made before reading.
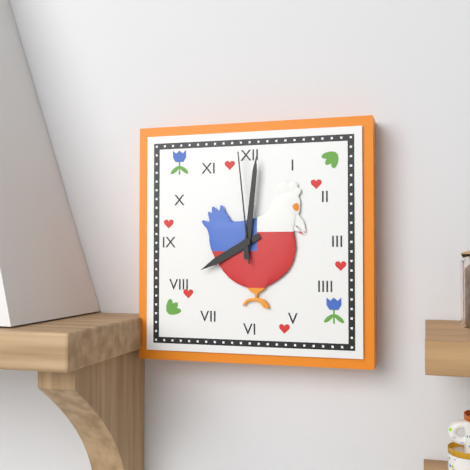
8:01:59
